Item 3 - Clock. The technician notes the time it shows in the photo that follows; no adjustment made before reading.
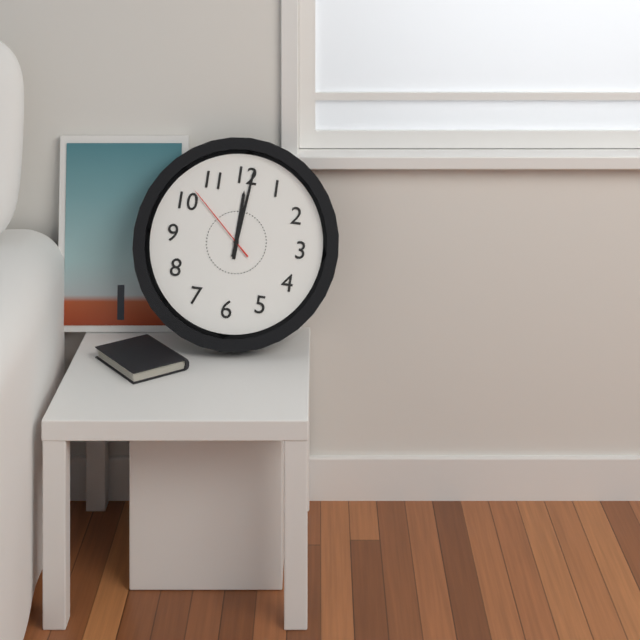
12:01:52
